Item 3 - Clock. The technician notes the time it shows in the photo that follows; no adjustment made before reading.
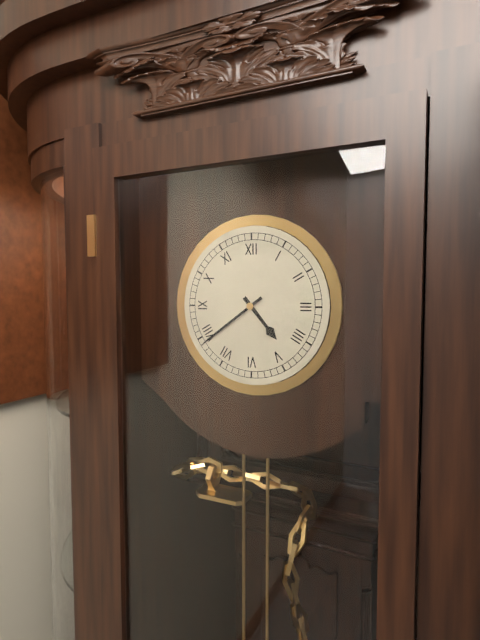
4:39
